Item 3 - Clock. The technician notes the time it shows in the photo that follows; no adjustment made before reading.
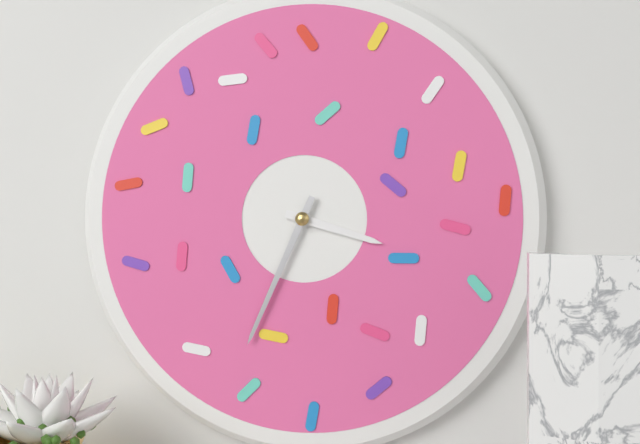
3:34
